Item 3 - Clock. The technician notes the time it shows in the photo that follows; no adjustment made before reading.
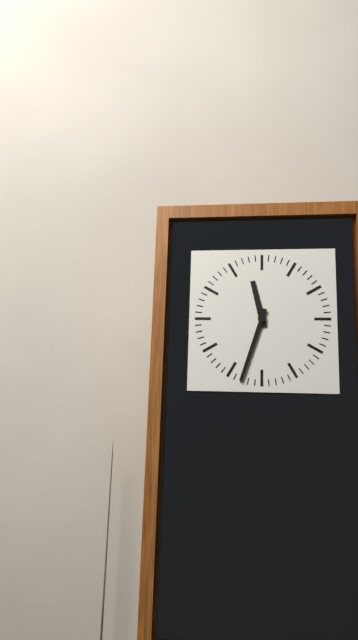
11:33
